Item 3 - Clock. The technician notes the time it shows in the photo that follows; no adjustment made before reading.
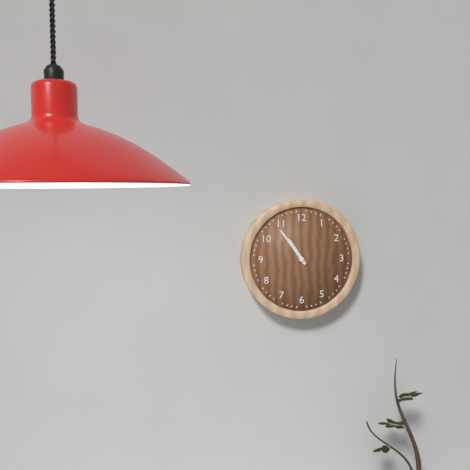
10:54
